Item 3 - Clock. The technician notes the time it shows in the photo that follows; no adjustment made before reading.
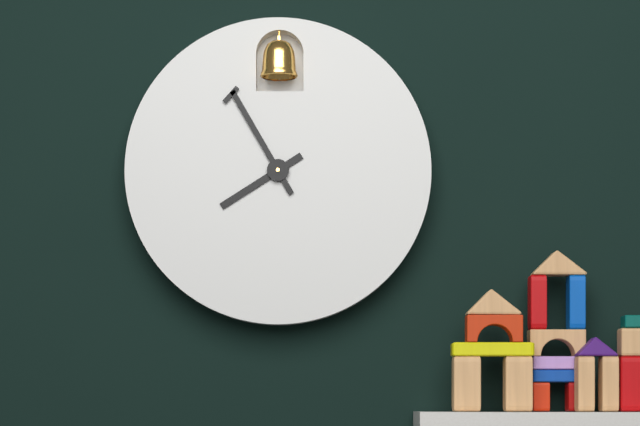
7:55
